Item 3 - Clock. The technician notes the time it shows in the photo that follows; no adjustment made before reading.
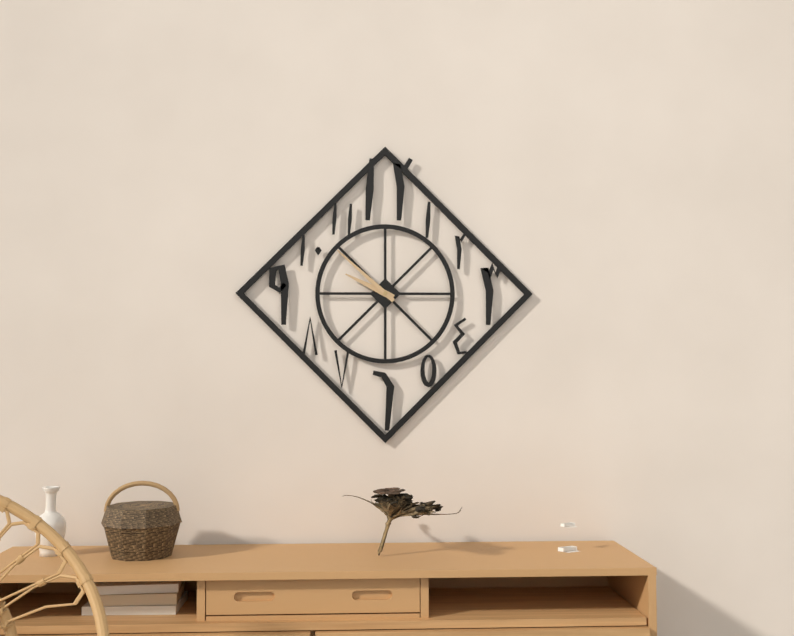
9:52
